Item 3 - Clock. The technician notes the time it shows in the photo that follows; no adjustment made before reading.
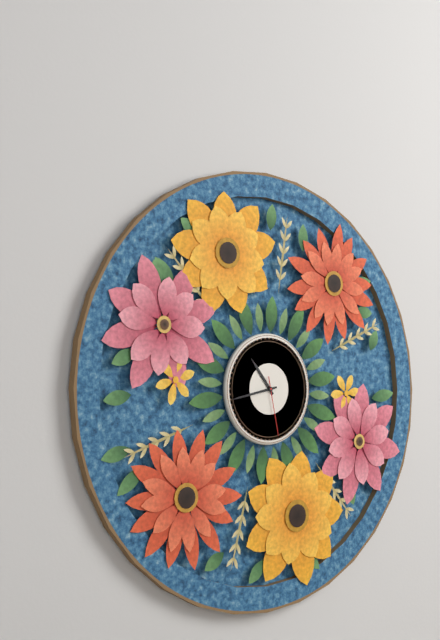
10:43:28
